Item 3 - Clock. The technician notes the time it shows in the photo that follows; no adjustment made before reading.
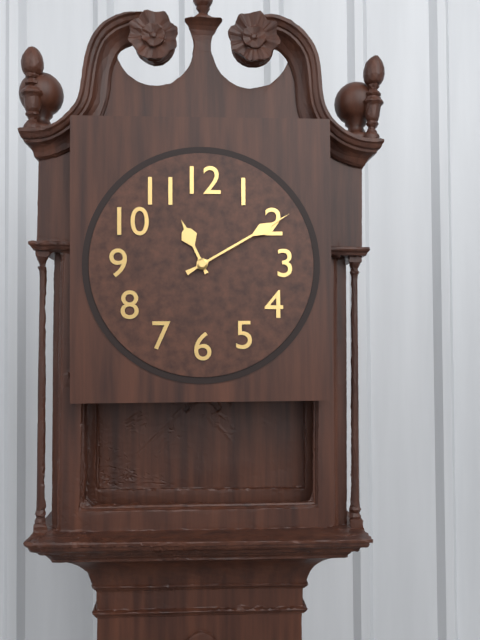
11:10
